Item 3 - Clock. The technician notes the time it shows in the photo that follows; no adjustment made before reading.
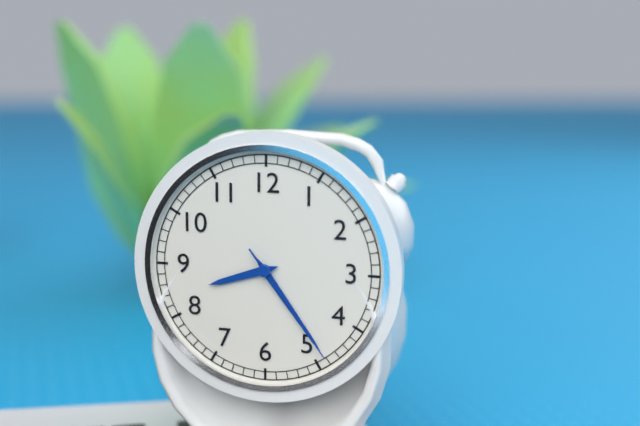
8:24:24
